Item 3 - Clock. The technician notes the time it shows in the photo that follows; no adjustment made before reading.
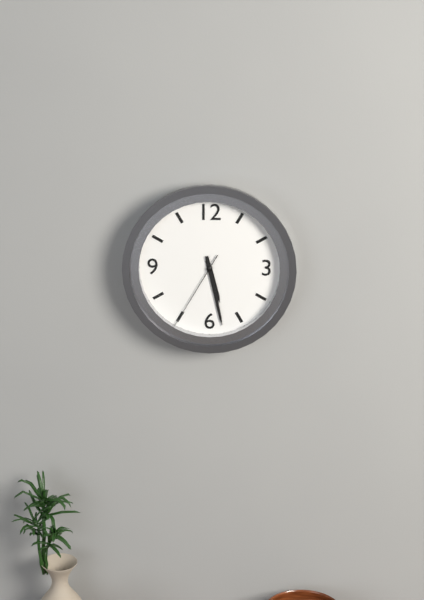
5:28:35
